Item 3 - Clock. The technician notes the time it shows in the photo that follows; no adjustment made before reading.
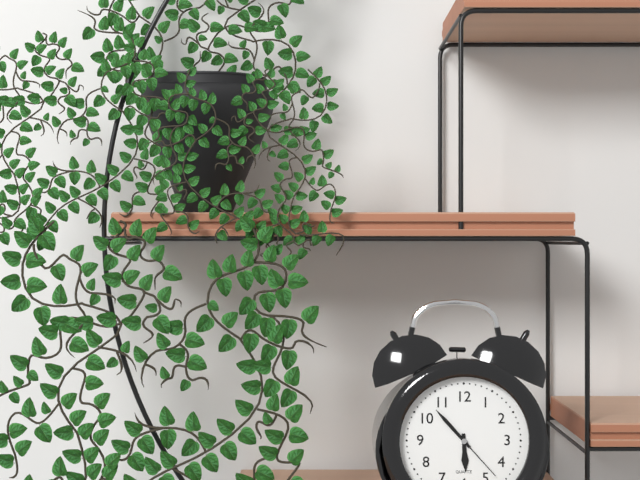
5:53:23
